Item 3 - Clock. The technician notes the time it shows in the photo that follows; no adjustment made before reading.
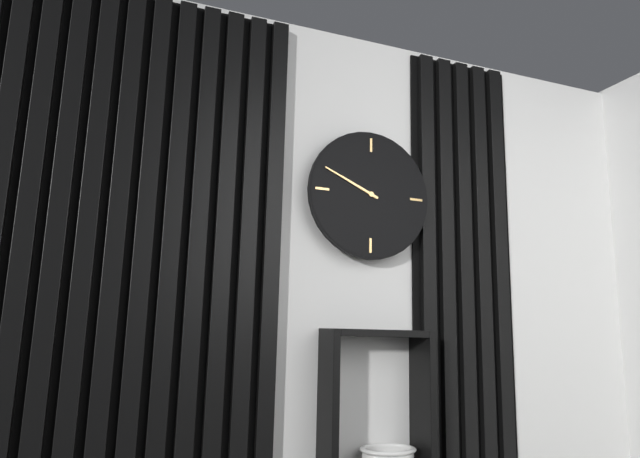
9:49
